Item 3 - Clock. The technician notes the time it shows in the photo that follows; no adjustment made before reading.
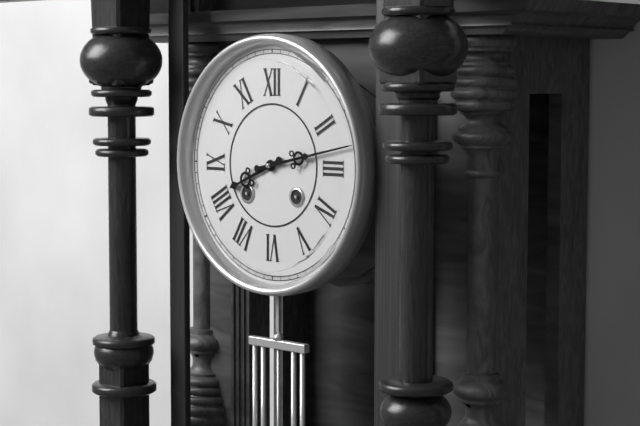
8:13
